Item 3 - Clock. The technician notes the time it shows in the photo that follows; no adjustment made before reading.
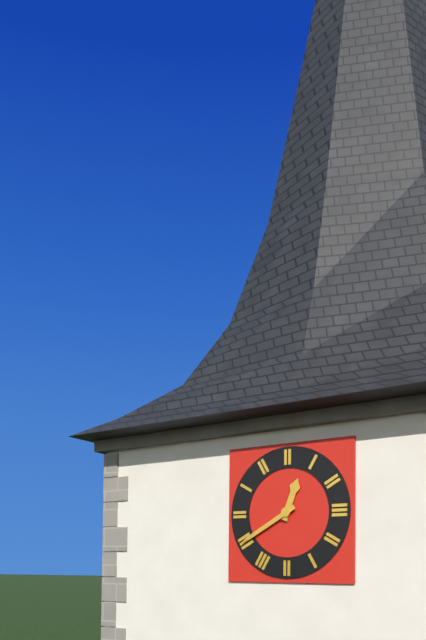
12:40
